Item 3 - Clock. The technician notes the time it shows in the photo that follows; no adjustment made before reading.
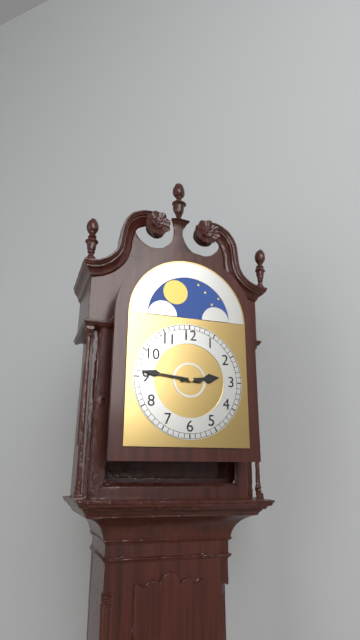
2:46
